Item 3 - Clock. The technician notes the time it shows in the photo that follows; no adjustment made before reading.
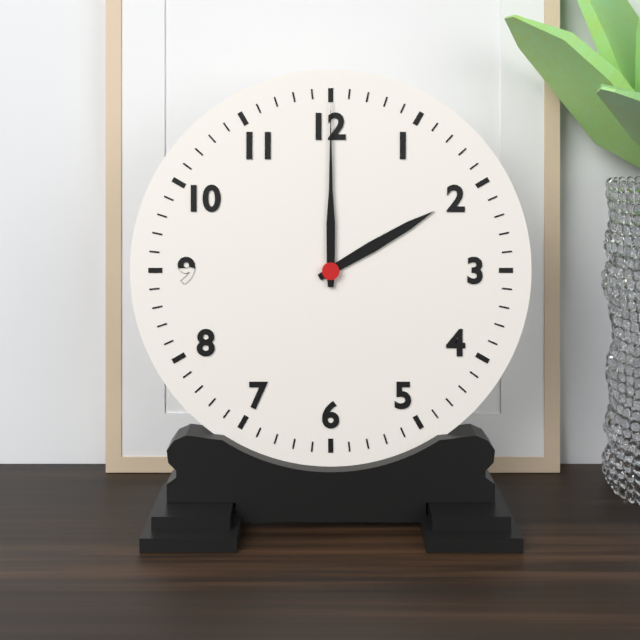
2:00
